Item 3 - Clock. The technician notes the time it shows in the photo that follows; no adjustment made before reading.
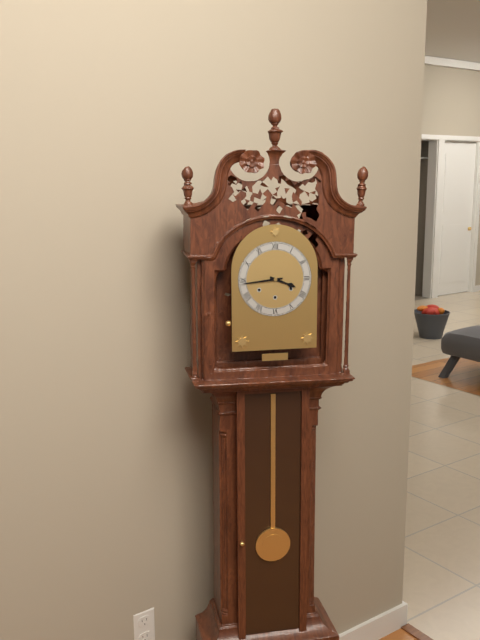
3:44
